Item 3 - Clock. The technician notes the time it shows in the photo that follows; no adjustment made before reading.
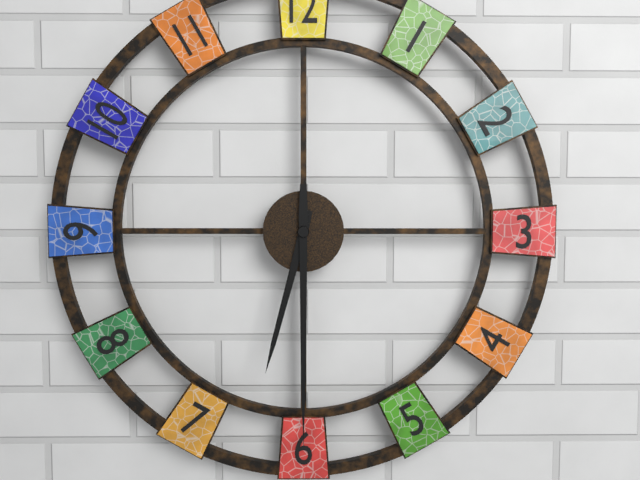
6:30
